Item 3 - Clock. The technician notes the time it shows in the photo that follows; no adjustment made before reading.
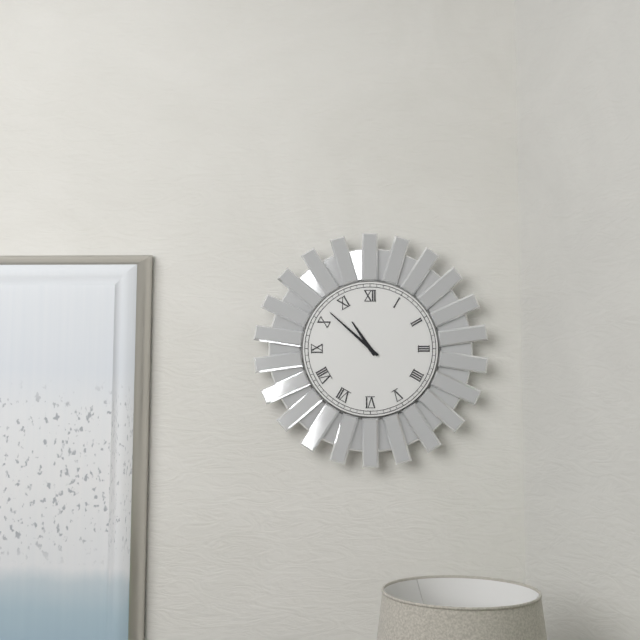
10:52
